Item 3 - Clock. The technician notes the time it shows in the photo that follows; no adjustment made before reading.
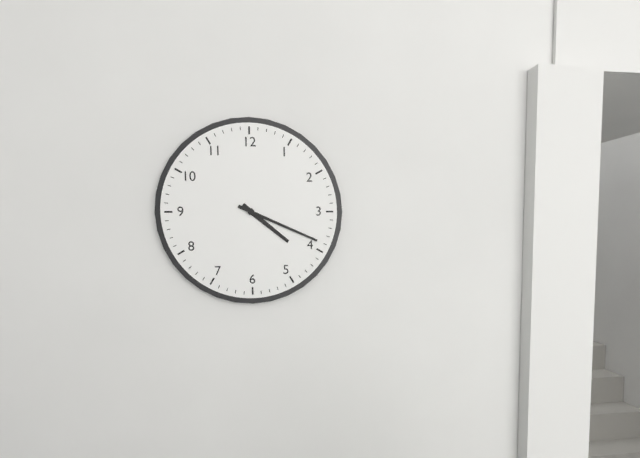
4:19
